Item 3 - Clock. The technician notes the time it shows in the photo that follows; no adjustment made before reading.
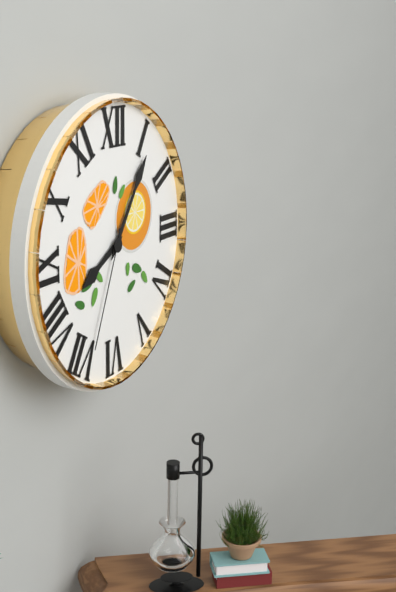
8:06:34
